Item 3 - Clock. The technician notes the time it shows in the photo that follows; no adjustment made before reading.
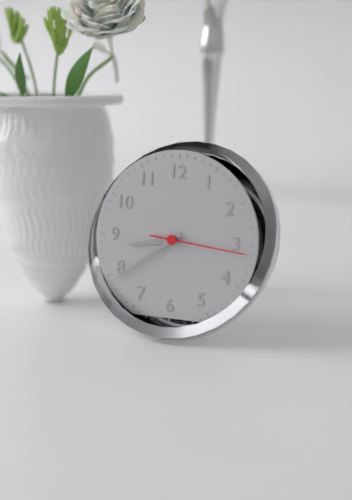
8:39:16
